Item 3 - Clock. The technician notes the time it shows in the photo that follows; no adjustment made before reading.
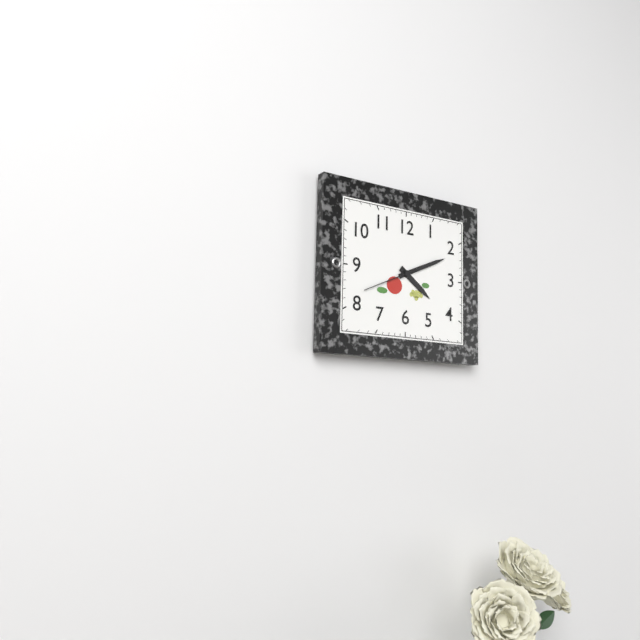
4:11:41
